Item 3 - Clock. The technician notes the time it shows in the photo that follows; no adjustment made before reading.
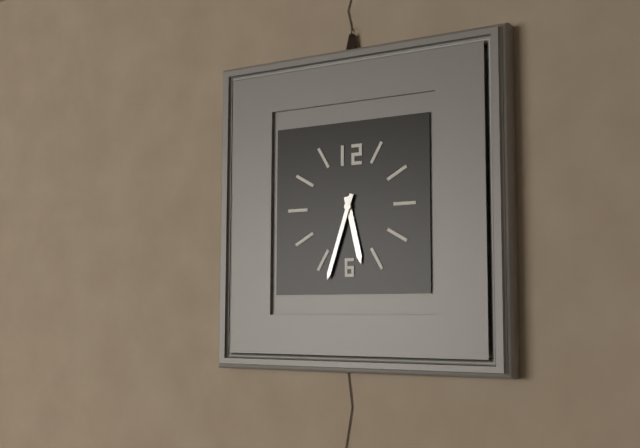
5:33
